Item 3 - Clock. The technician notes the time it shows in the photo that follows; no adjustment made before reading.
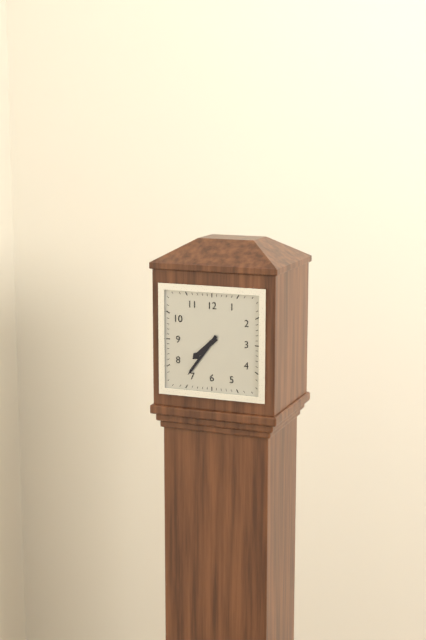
7:36
